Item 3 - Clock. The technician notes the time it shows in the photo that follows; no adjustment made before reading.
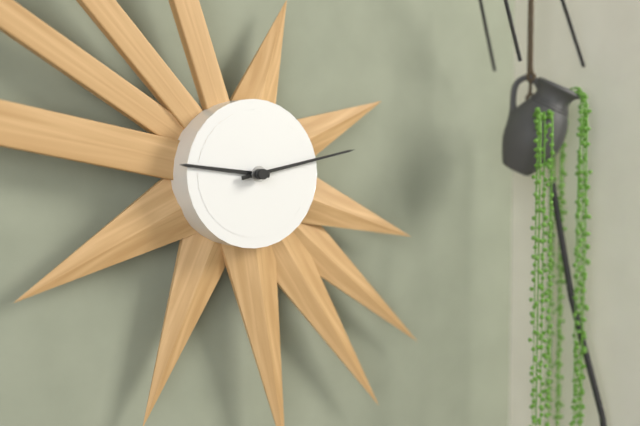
9:13
